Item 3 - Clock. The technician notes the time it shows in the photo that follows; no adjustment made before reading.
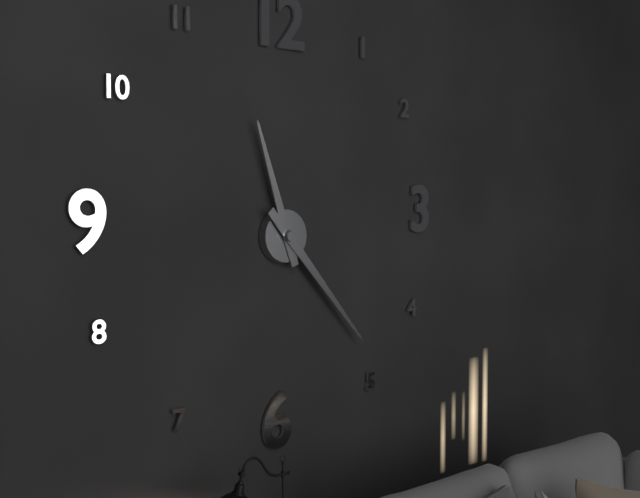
11:23
